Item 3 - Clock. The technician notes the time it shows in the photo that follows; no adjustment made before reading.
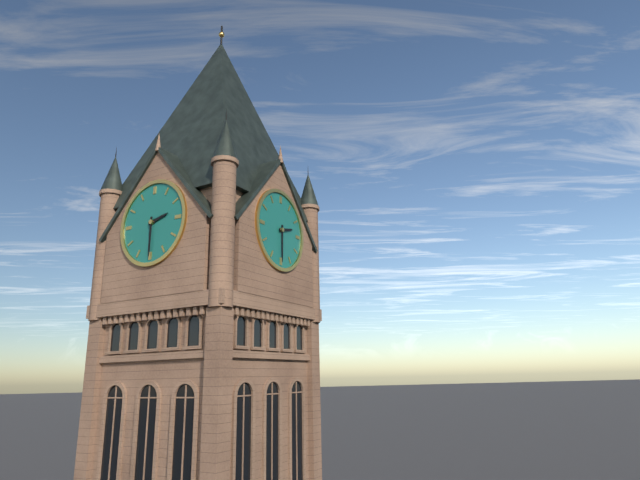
2:30
